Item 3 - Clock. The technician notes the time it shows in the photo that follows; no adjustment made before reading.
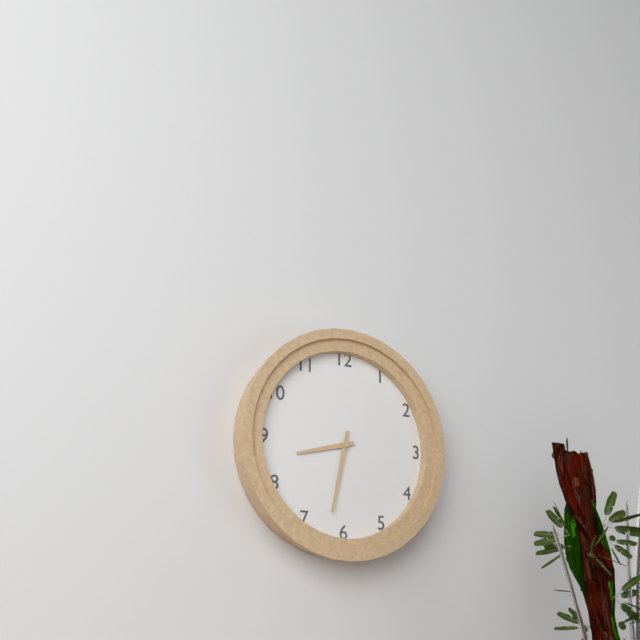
8:32
